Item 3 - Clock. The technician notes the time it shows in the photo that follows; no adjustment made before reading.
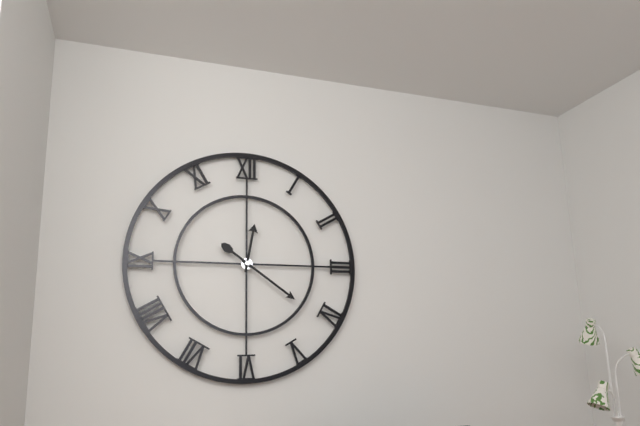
12:21
